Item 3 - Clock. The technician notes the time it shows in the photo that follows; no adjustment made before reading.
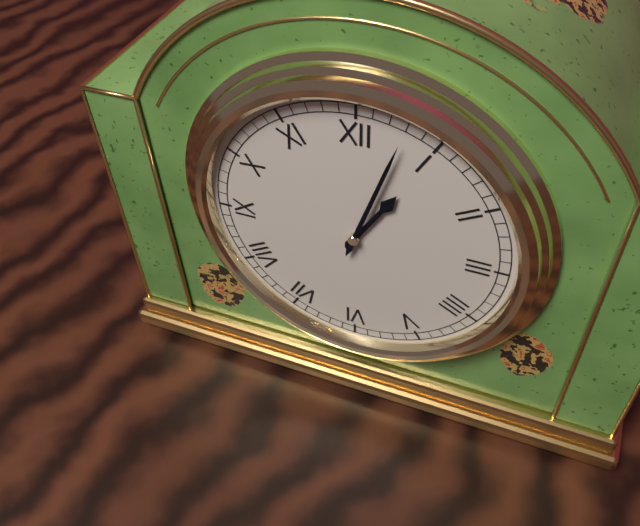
1:03
